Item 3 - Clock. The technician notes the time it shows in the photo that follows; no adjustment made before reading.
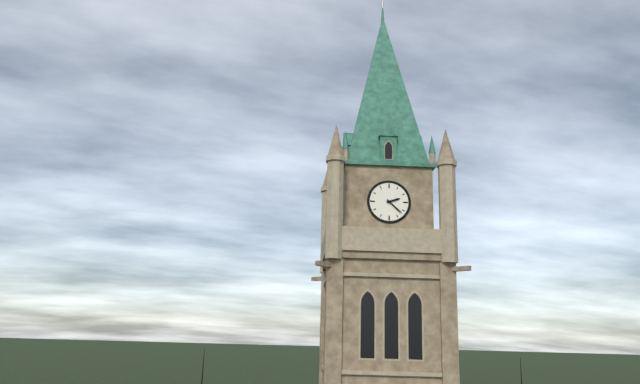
2:22
